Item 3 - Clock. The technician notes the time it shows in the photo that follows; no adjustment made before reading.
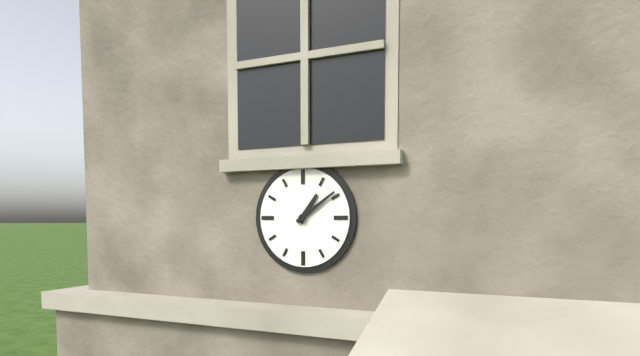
1:09
